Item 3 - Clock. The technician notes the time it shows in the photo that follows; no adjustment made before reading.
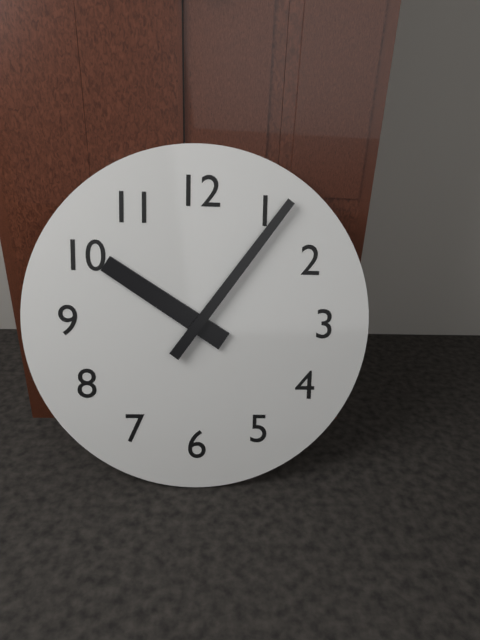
10:06
